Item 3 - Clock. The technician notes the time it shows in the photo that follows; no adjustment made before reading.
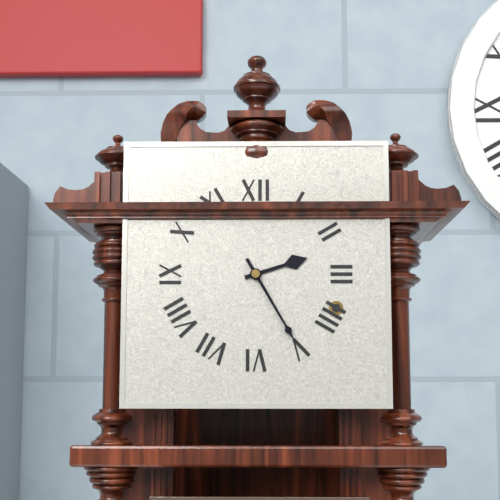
2:25
